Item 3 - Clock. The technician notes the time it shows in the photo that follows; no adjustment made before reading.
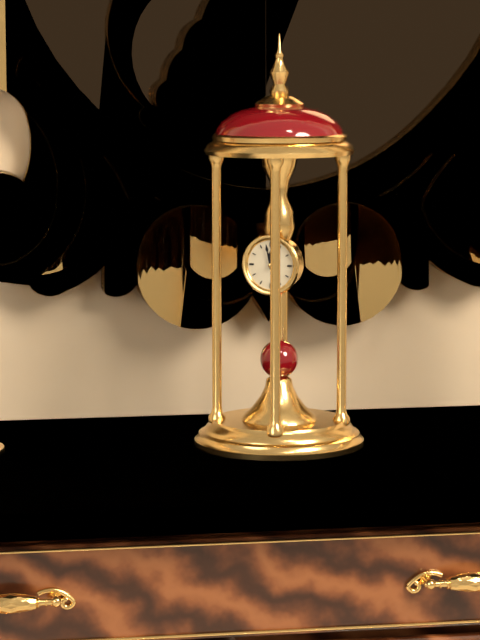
11:58
